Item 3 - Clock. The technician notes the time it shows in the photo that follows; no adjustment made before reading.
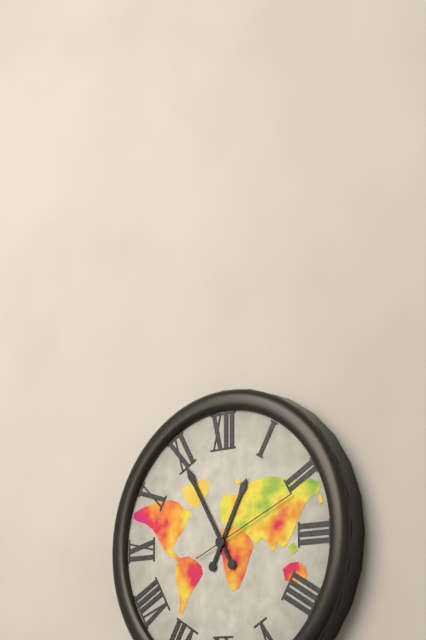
12:55:11
